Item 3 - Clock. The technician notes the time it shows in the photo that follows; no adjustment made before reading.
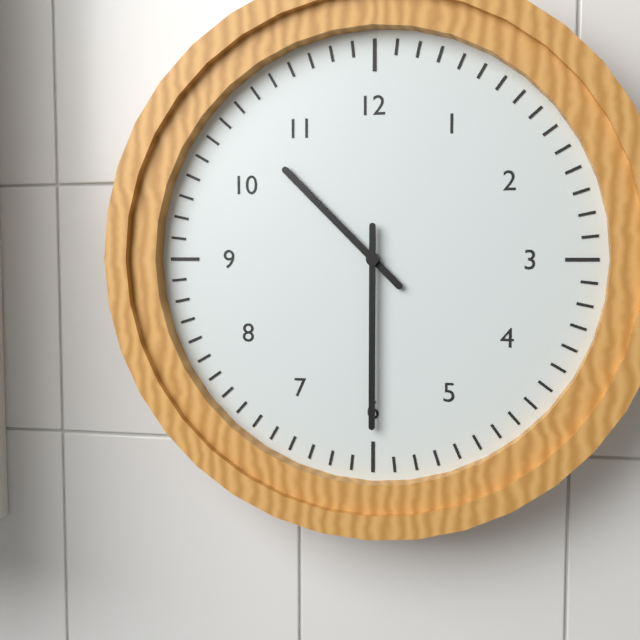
10:30
